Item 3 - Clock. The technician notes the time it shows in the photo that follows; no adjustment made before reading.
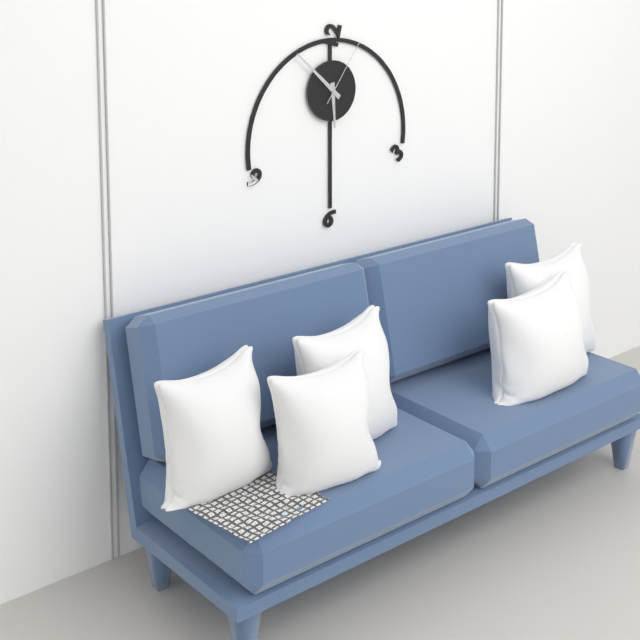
5:52:06
